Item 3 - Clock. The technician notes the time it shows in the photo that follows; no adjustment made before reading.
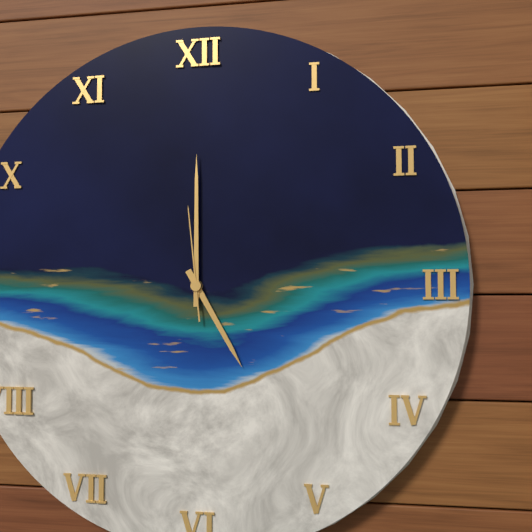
5:00:59
